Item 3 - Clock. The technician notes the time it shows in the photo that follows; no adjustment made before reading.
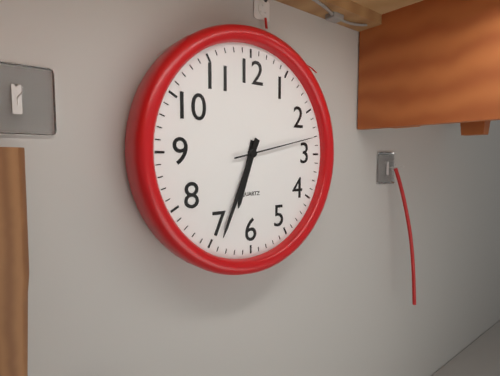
6:34:13
